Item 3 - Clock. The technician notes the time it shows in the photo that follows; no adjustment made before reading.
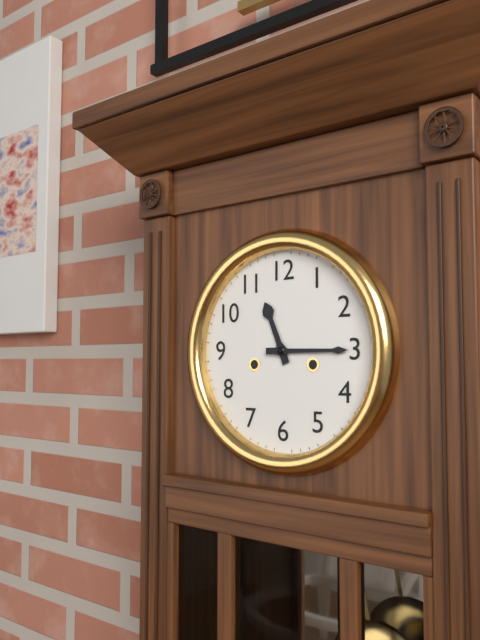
11:15
